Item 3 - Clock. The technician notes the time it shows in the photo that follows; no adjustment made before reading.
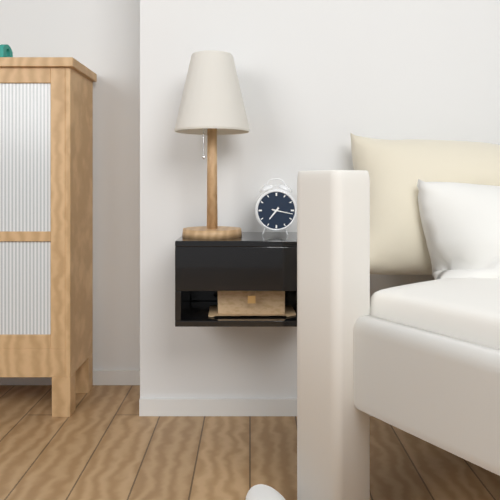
7:17
